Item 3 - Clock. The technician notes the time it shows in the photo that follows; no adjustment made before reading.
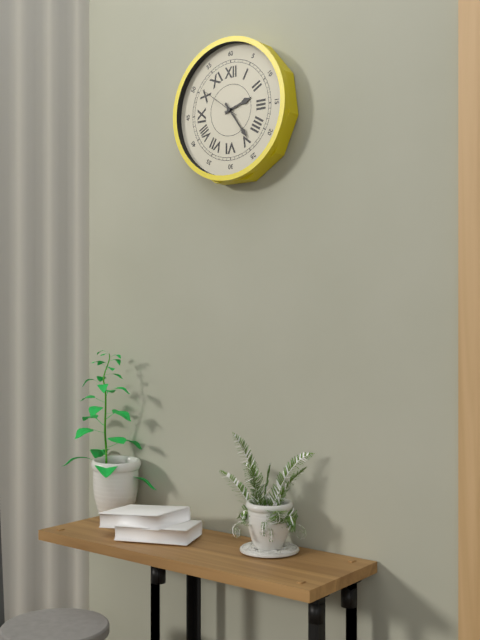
2:24
